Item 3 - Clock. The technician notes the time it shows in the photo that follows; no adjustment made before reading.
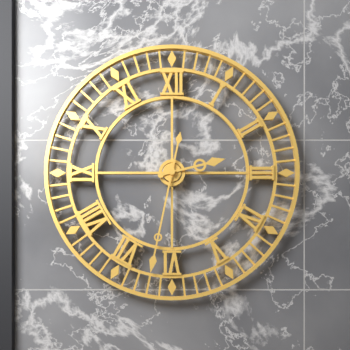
2:32
